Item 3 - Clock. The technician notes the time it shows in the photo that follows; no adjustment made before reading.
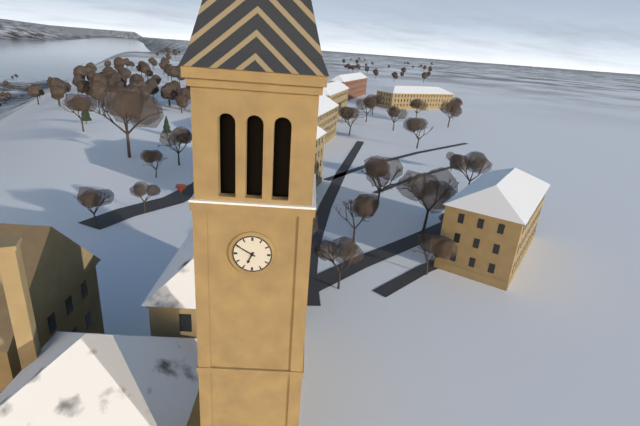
6:50
